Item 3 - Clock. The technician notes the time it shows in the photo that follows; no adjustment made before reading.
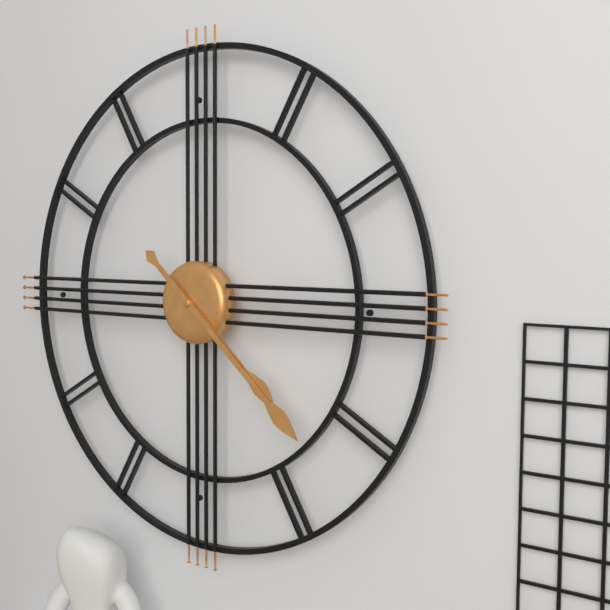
4:22
